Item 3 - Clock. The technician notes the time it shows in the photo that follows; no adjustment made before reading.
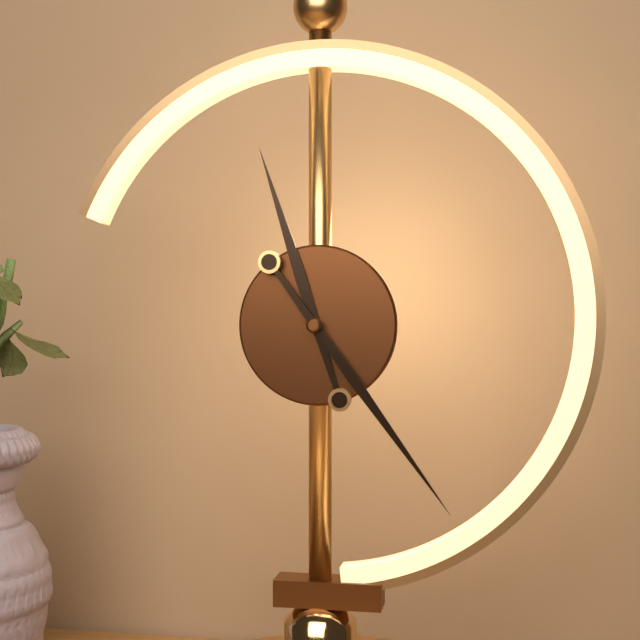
11:24
